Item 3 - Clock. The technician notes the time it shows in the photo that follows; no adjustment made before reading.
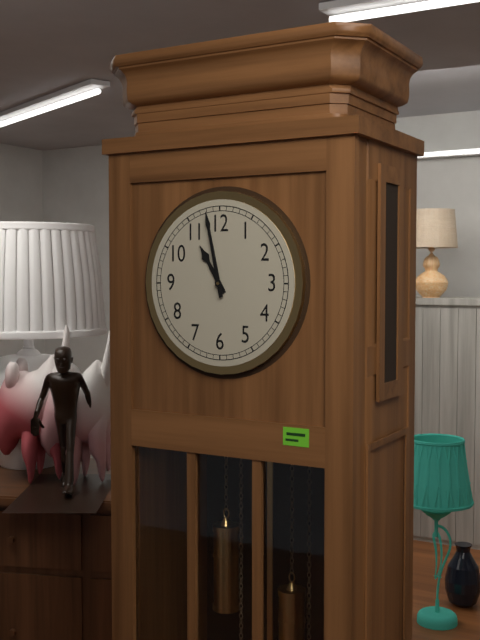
10:58
